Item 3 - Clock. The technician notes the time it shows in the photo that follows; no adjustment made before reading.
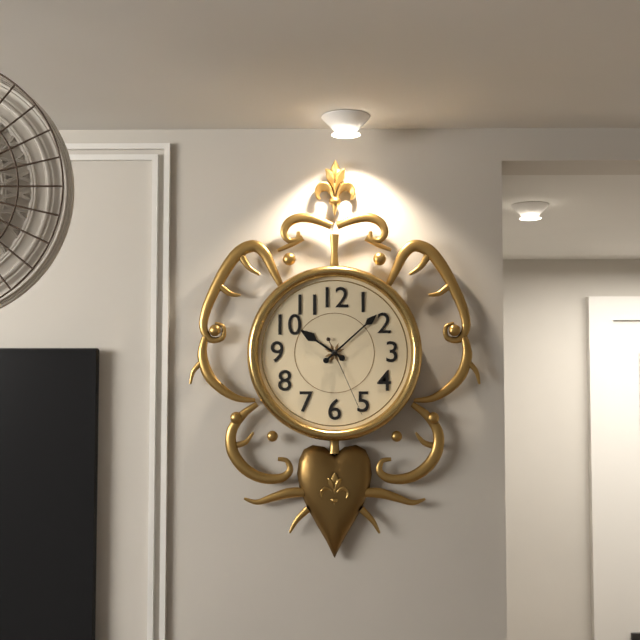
10:08:26
